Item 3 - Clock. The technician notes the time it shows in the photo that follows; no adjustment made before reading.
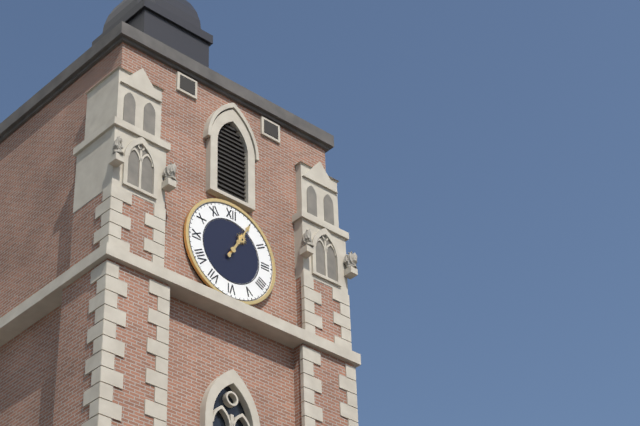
1:05
